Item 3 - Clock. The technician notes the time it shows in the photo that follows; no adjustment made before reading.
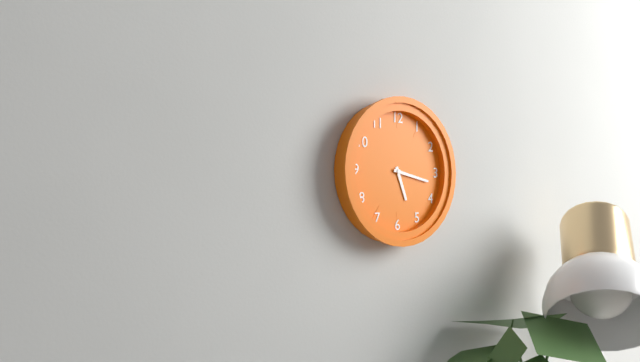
5:17
